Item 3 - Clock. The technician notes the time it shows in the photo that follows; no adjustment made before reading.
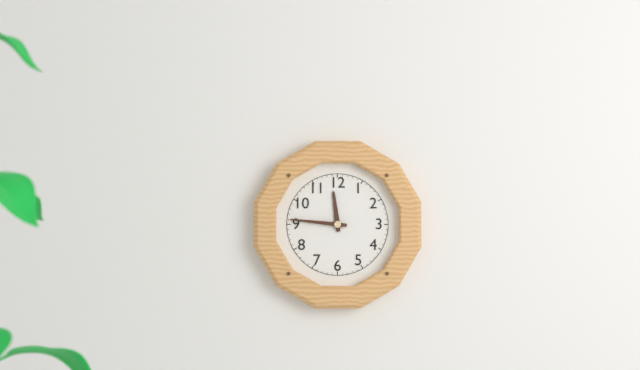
11:46
